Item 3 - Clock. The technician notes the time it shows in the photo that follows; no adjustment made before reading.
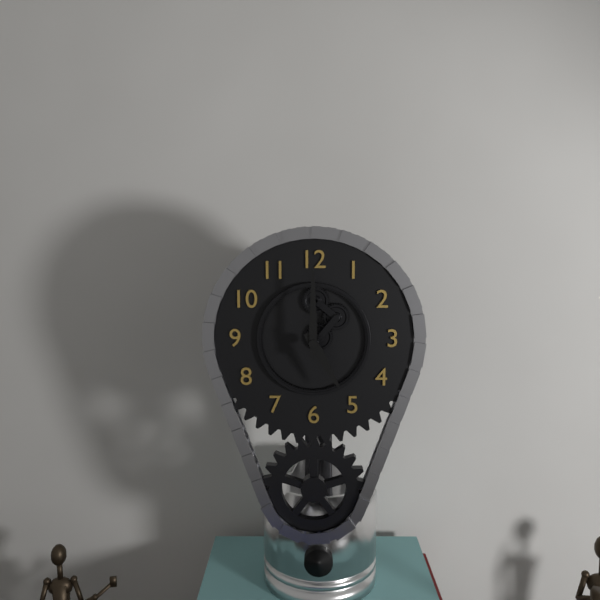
5:00
